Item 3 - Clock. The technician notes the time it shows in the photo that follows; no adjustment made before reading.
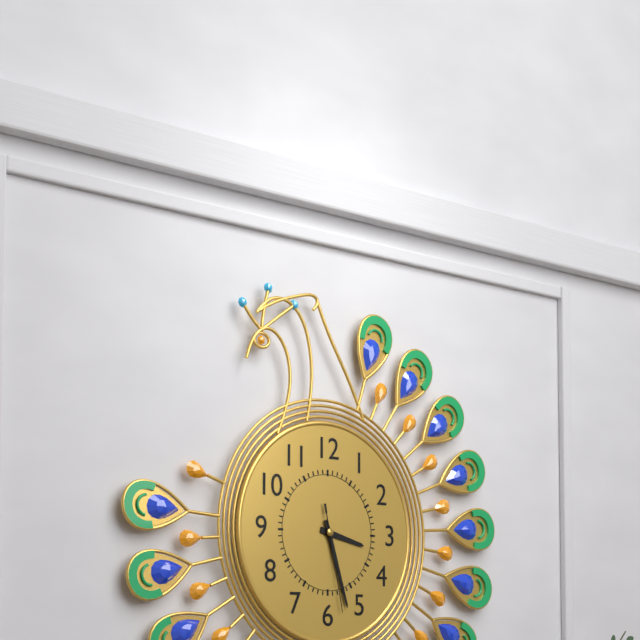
3:27:28
